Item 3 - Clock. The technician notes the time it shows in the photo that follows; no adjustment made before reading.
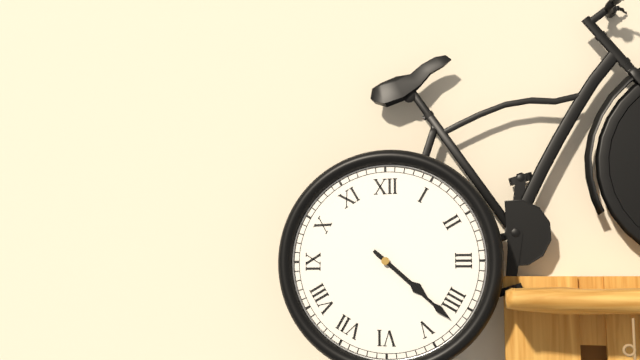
4:22
